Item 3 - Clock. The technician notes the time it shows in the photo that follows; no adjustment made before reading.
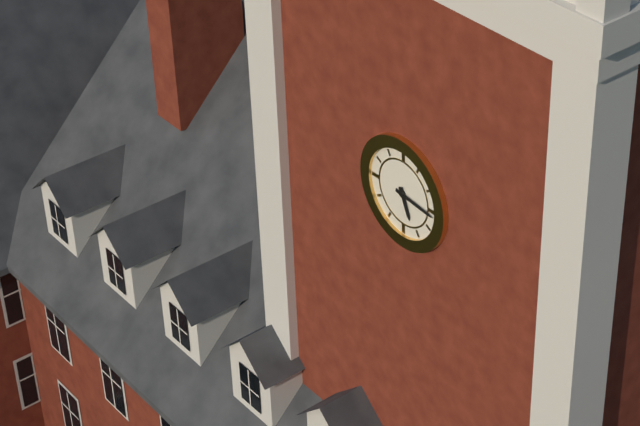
5:16
